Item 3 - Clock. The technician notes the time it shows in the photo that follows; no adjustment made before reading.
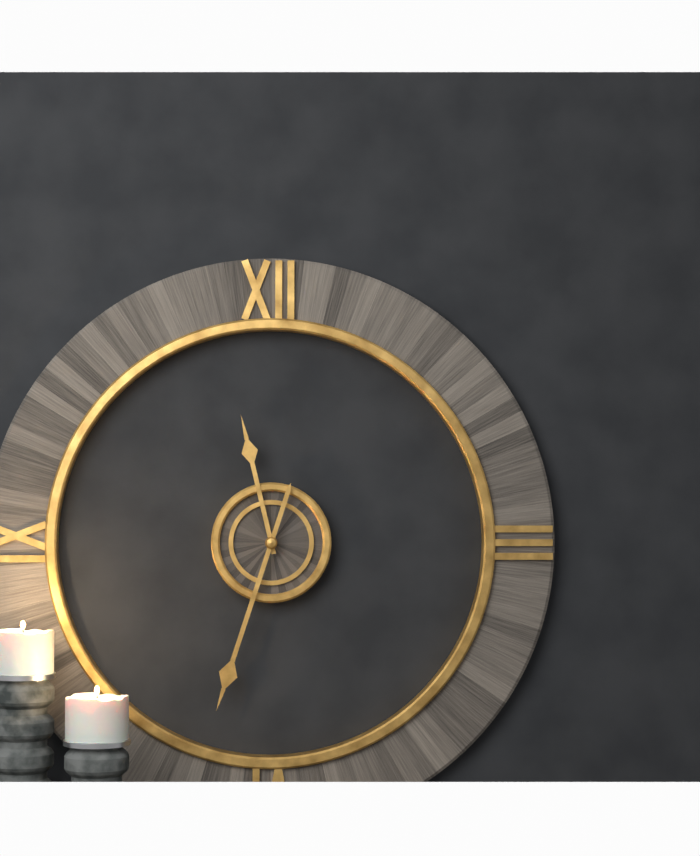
11:33
